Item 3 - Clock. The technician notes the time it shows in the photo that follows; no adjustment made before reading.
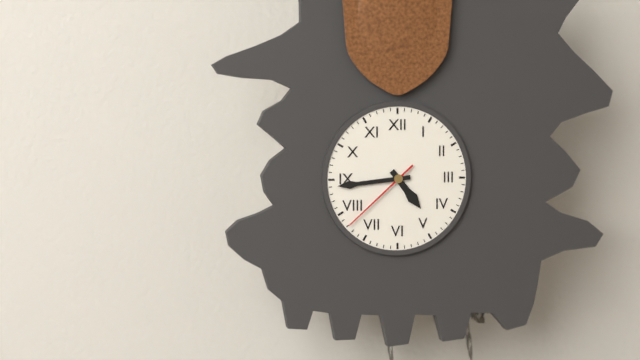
4:44:38
